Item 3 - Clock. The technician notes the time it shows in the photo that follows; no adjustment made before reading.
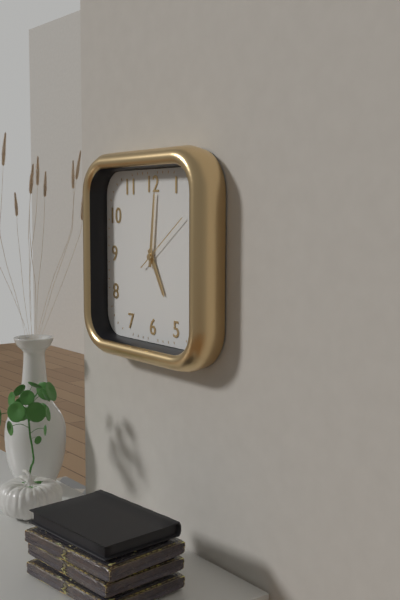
5:01:09
